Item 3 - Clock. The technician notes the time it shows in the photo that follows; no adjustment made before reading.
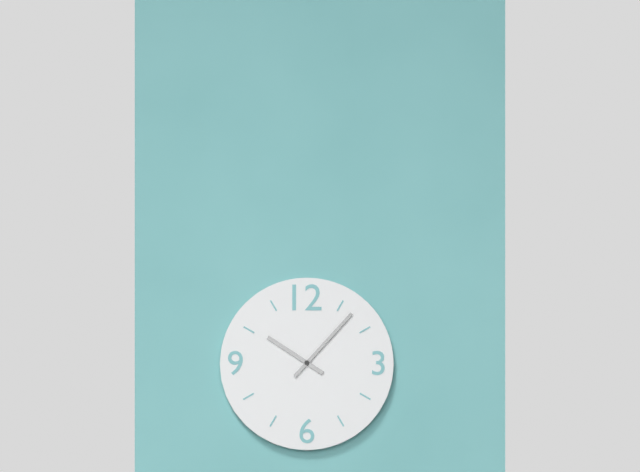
10:07
